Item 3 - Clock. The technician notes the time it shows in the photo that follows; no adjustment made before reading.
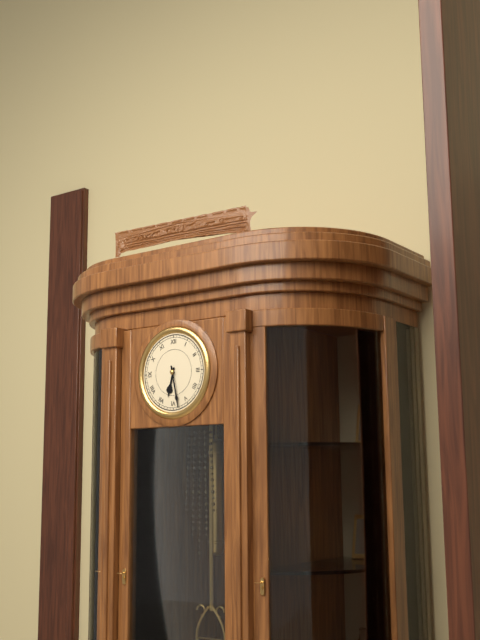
6:28
